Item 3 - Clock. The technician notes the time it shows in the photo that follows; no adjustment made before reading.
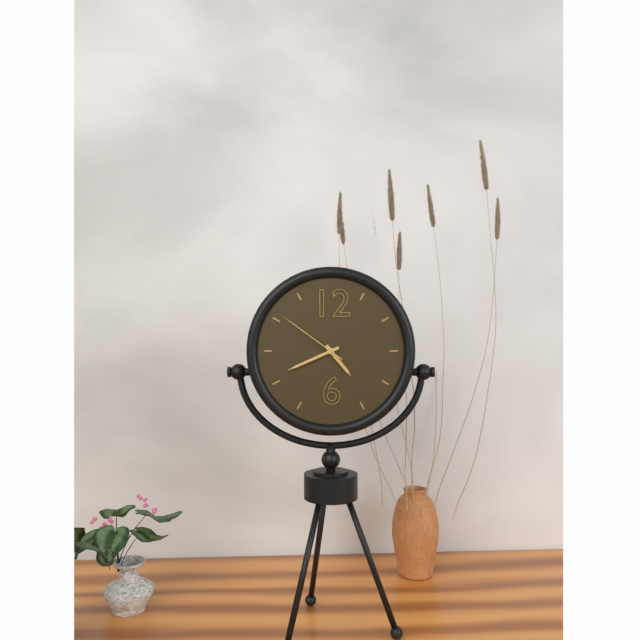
4:41:51
